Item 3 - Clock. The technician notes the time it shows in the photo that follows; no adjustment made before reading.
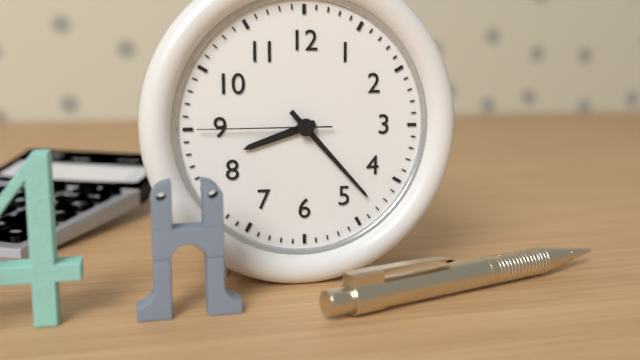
8:23:45
